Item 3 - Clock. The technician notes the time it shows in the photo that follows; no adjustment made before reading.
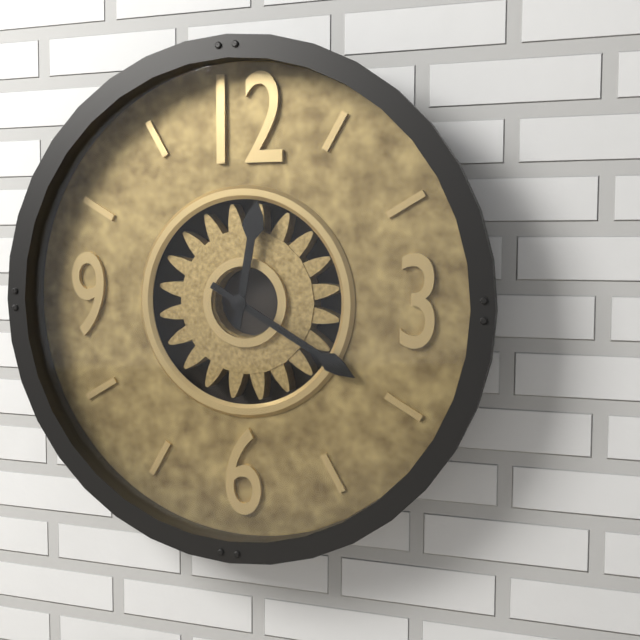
12:20
